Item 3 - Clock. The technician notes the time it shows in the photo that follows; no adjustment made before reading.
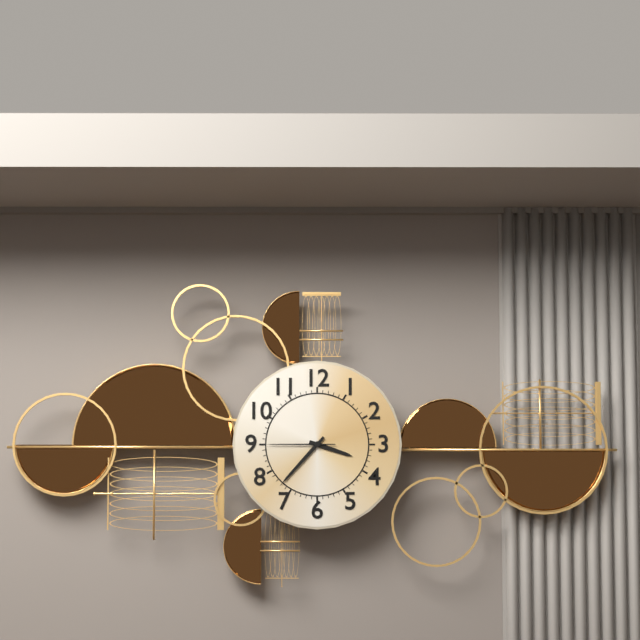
3:37:45
